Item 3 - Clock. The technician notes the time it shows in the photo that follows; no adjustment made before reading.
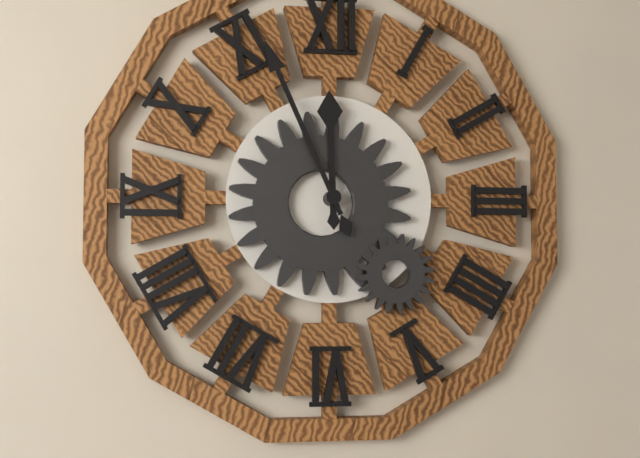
11:56
